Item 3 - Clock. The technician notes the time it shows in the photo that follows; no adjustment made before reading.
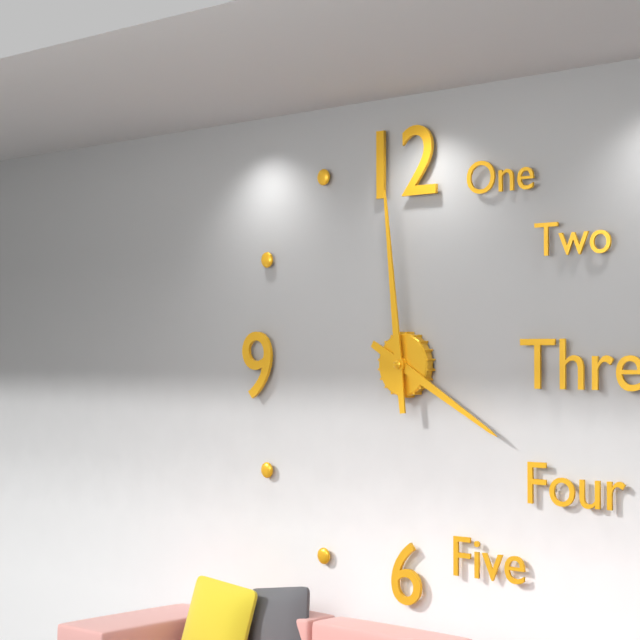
3:59
